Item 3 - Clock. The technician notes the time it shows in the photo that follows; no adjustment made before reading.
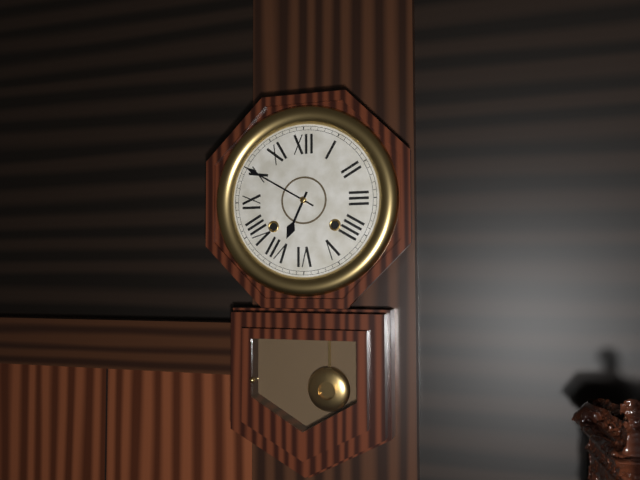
6:50
